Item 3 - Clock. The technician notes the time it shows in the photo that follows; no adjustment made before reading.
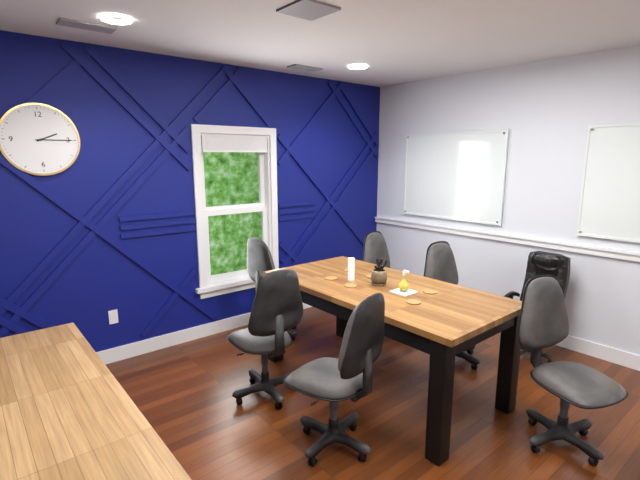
2:15
